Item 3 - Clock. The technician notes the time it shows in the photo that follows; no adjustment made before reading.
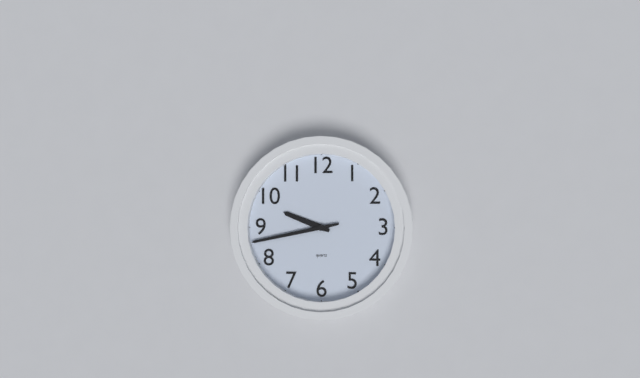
9:43
